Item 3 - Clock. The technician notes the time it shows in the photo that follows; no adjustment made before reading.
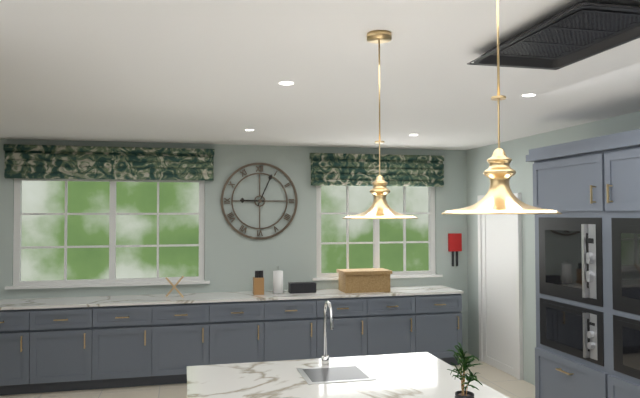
9:04
